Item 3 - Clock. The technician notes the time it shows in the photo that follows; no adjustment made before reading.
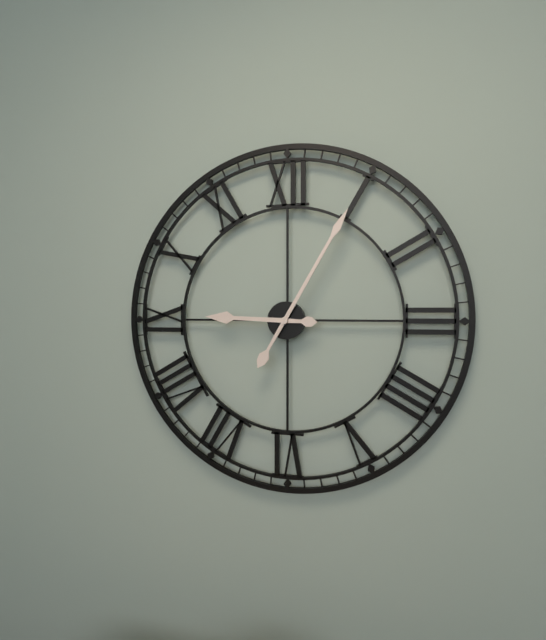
9:05
